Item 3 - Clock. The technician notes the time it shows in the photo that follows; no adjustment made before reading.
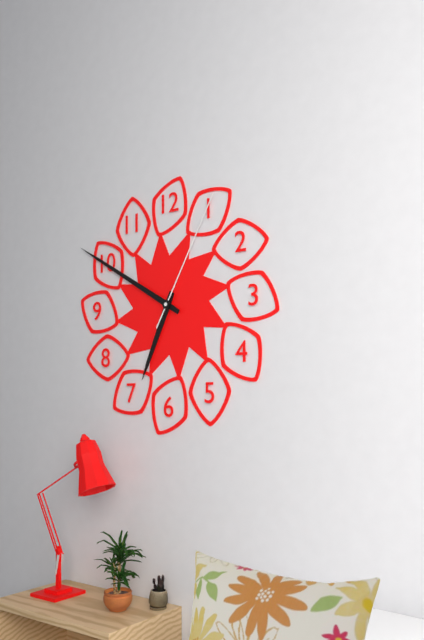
6:50:05
